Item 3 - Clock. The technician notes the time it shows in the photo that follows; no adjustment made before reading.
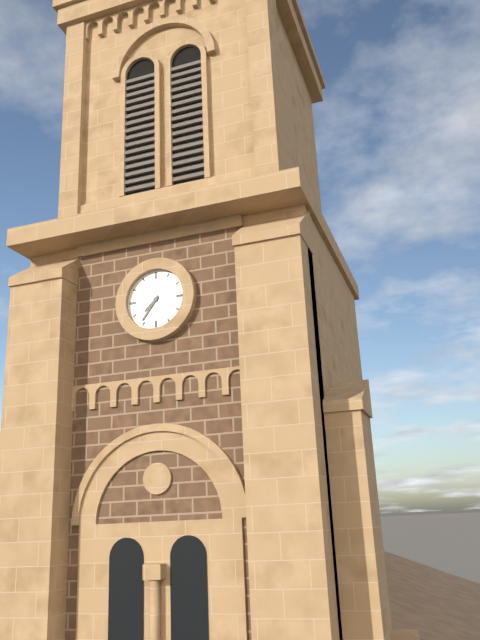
7:36
